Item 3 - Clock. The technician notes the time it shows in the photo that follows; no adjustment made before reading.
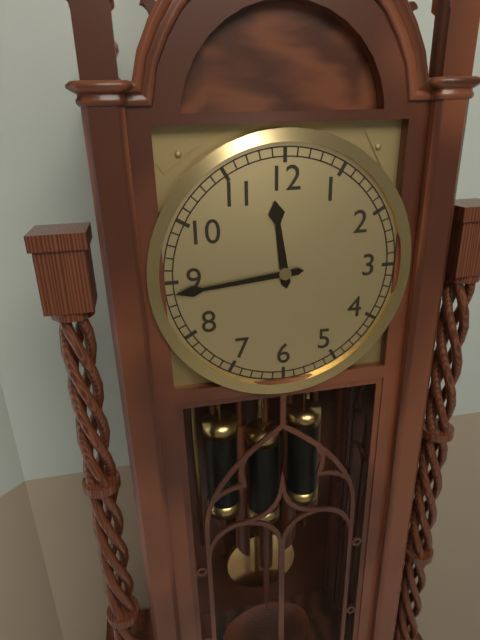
11:44
